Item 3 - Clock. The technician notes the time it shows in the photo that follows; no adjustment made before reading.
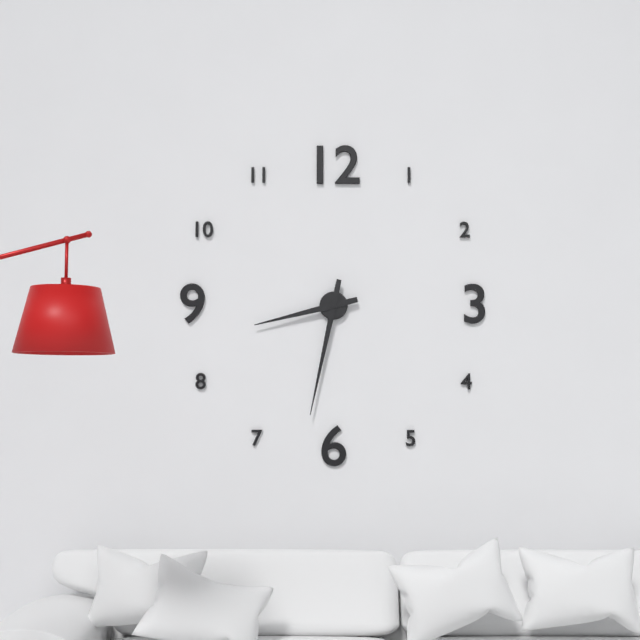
8:32
